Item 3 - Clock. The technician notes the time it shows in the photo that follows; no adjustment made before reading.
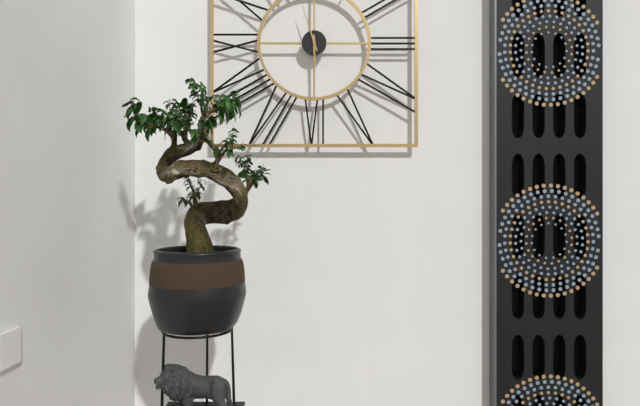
5:57
